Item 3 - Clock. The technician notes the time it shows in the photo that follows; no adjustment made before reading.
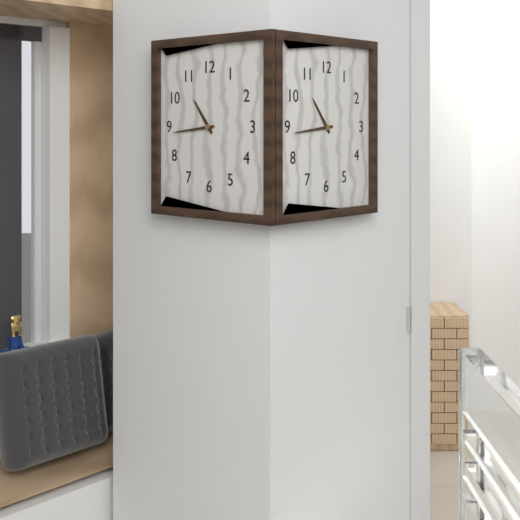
10:44
